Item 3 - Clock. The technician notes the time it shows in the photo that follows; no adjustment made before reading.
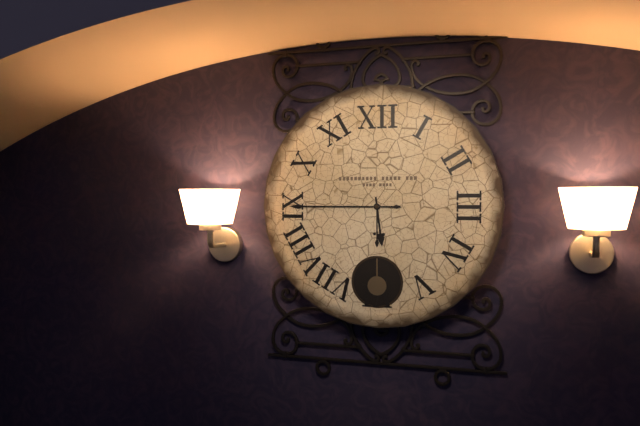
5:45
